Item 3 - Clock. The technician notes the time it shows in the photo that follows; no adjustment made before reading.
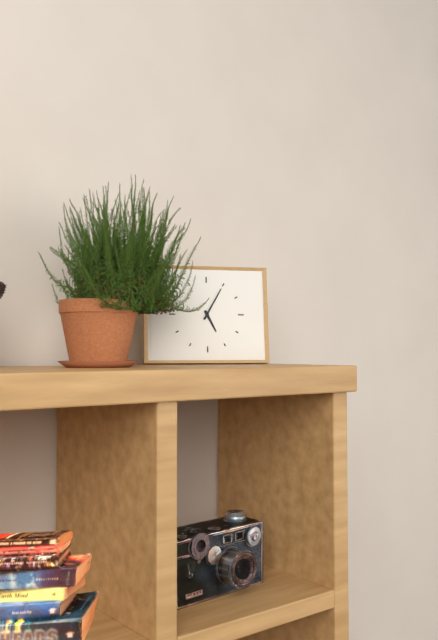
5:05
